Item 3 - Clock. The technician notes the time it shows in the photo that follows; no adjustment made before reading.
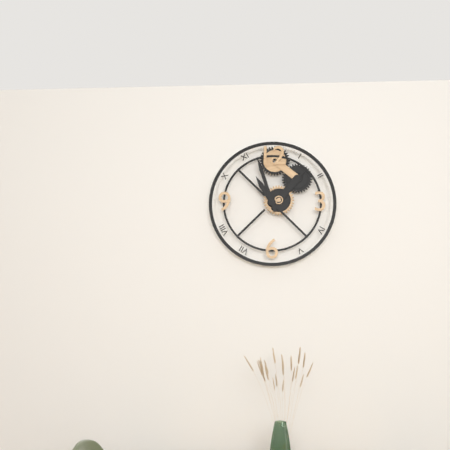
10:57
